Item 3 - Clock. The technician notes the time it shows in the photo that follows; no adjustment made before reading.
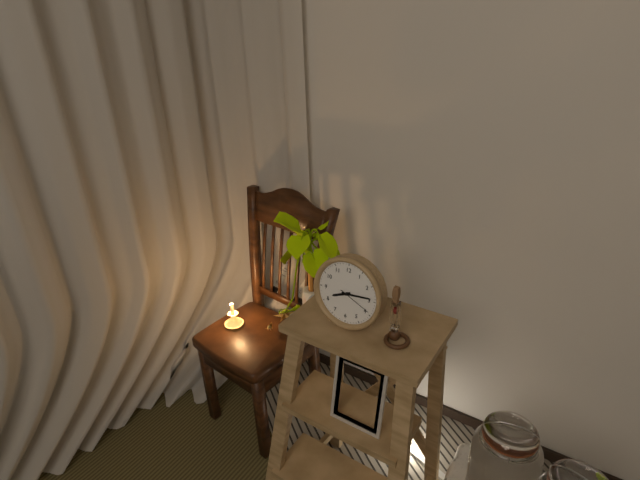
8:14
